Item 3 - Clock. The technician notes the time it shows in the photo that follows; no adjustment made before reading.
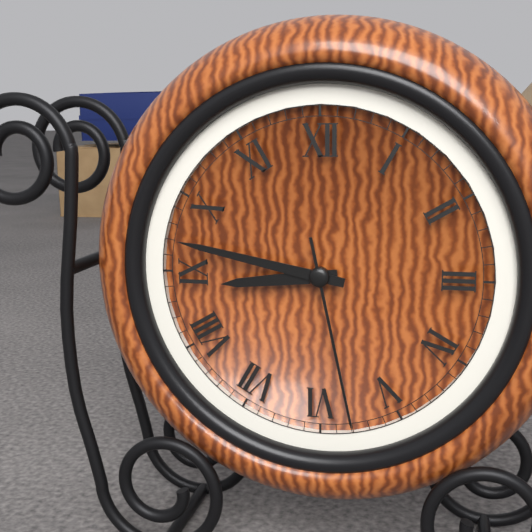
8:47:28
